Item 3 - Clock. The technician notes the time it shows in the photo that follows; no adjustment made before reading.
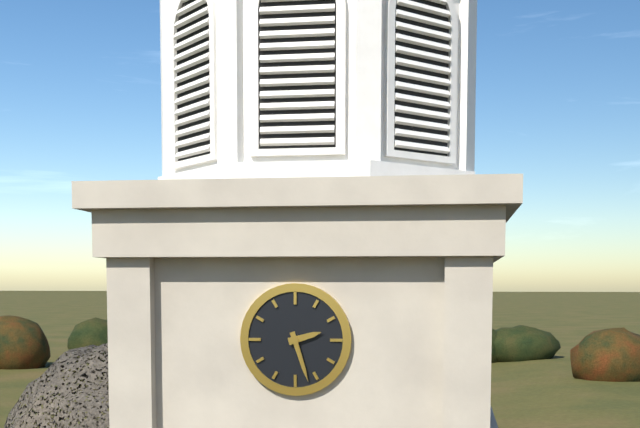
2:27
